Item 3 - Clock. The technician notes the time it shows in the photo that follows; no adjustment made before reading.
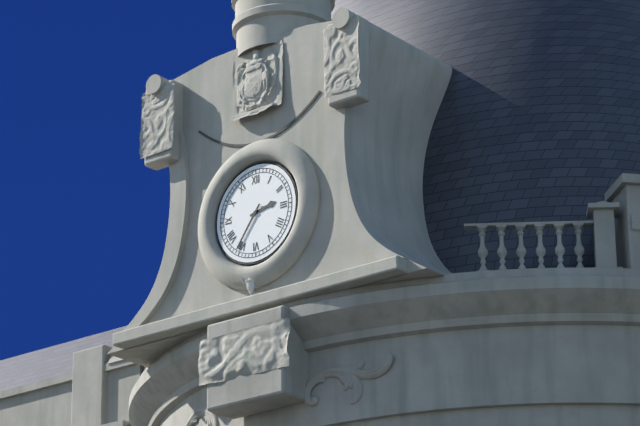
2:36
